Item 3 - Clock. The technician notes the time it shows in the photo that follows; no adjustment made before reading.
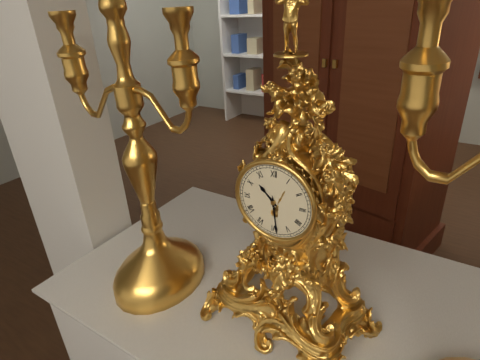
10:29
